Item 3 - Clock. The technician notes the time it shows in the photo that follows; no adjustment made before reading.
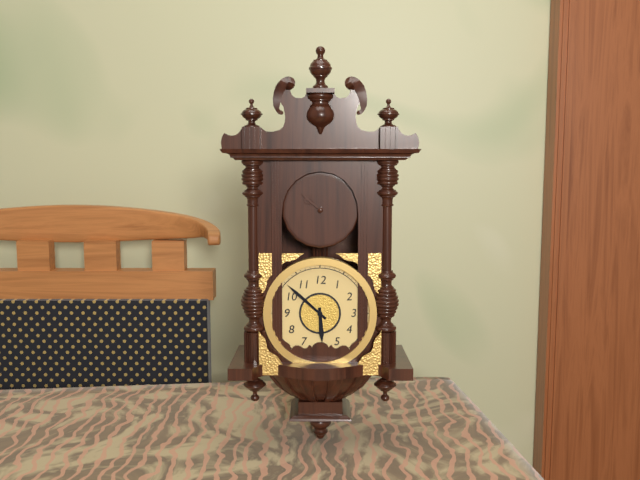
5:52
